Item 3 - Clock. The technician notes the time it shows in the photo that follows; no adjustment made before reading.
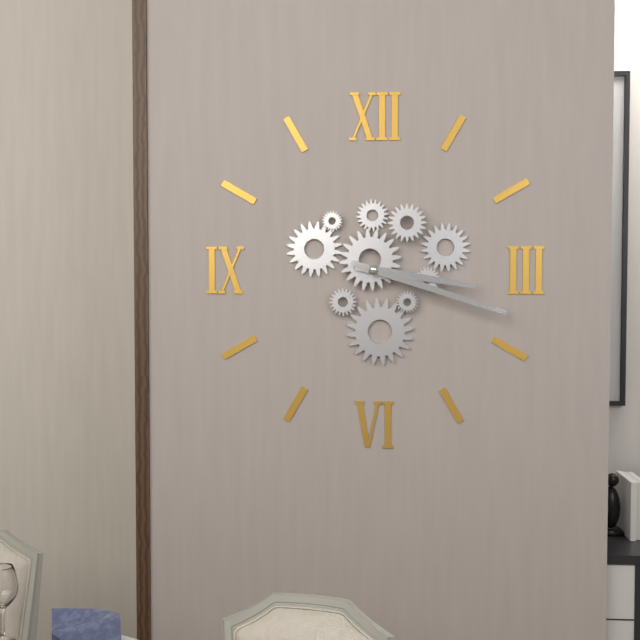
3:18
